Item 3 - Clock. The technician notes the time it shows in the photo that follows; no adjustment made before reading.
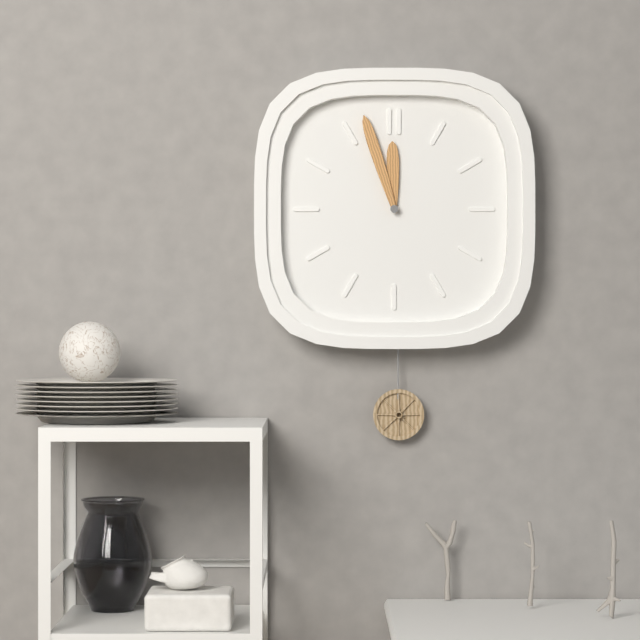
11:57
